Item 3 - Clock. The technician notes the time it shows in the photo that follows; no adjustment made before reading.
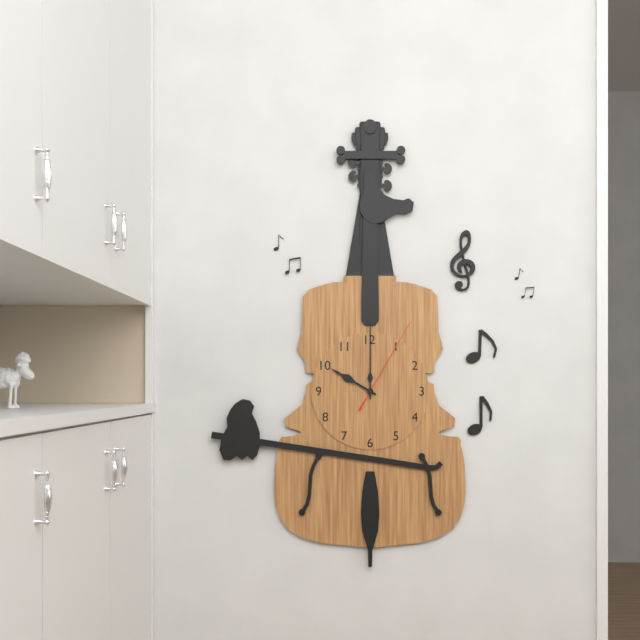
10:00:05
